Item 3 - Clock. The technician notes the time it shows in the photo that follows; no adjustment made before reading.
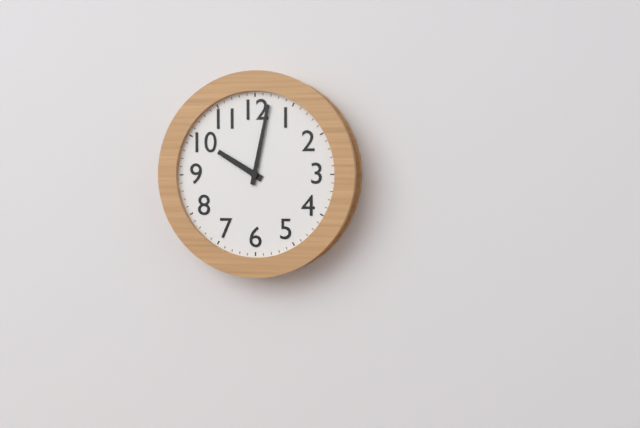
10:02
